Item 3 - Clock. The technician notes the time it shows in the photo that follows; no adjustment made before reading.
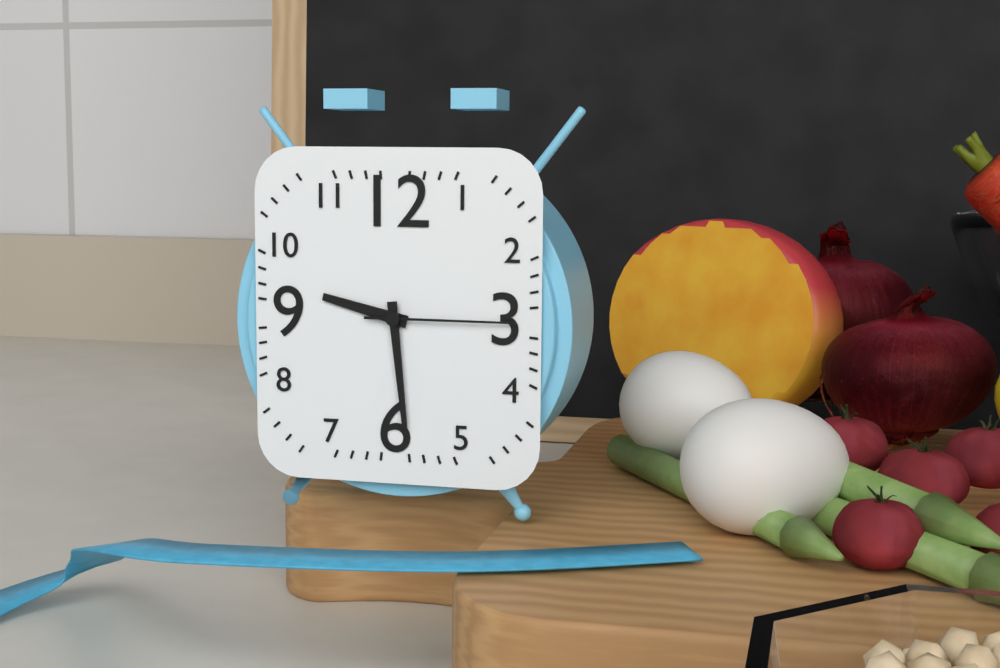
9:29:15
